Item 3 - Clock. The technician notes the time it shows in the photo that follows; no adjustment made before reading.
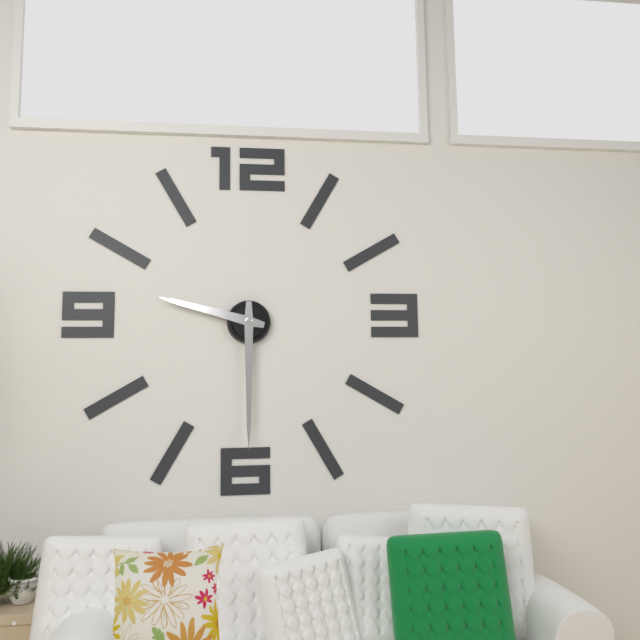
9:30
